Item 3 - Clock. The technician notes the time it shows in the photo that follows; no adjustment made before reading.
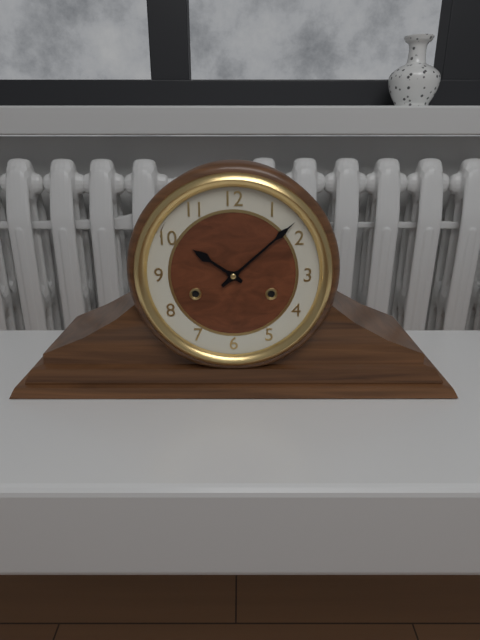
10:08
